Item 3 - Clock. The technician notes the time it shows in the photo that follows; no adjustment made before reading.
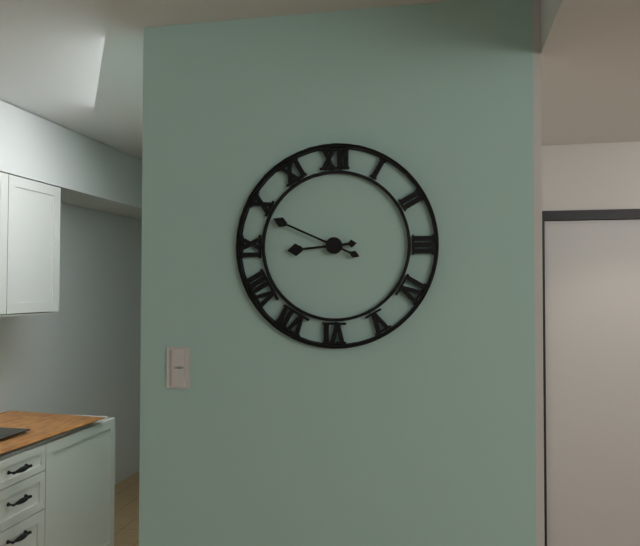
8:49
